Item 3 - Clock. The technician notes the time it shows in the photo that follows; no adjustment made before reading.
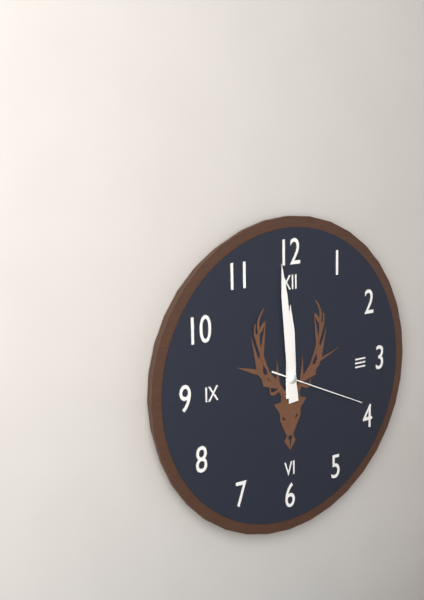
11:59:19
